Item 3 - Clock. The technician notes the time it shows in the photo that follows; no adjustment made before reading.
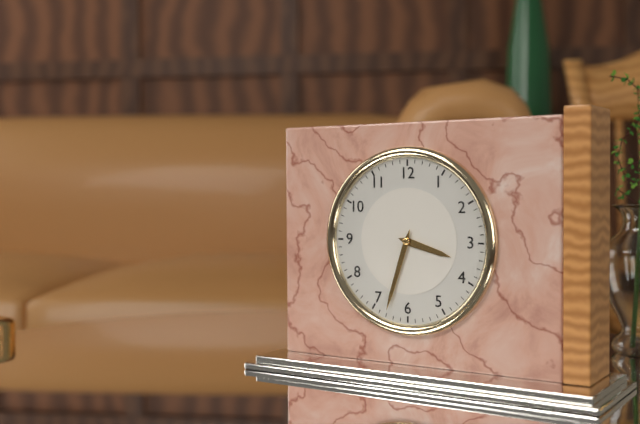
3:33
